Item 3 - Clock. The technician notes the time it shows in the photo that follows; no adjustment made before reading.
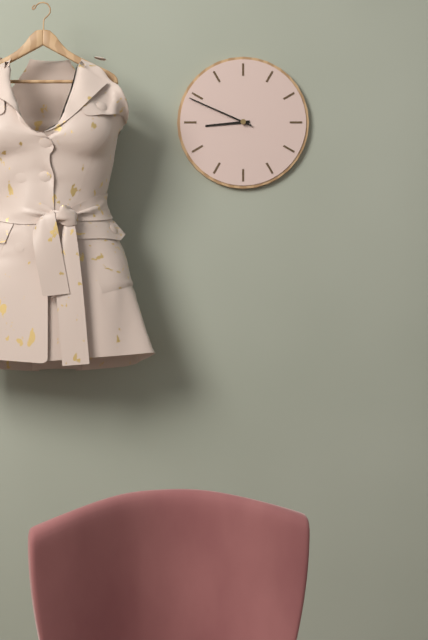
8:49
